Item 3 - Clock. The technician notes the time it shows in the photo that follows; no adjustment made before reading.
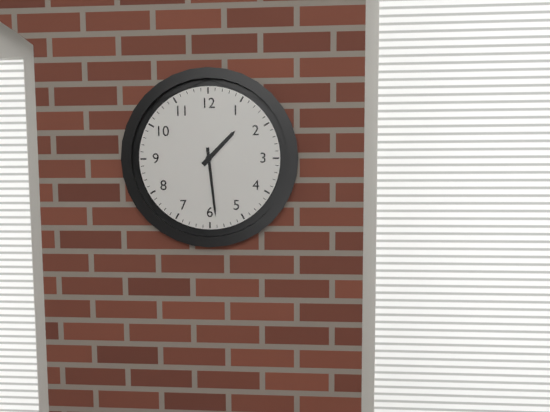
1:29
